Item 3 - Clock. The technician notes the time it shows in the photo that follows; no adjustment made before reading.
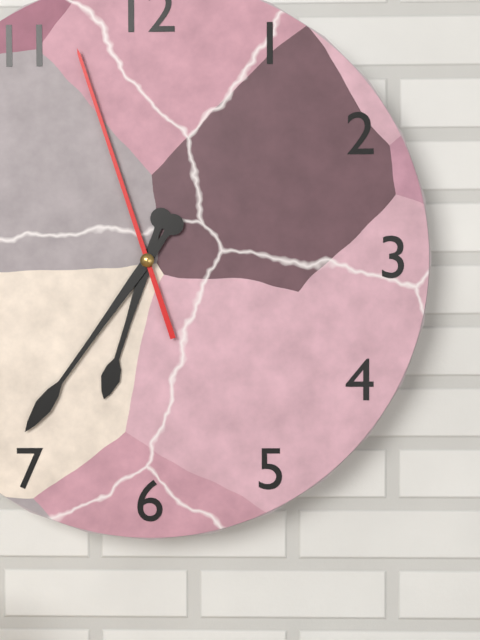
6:36:57
